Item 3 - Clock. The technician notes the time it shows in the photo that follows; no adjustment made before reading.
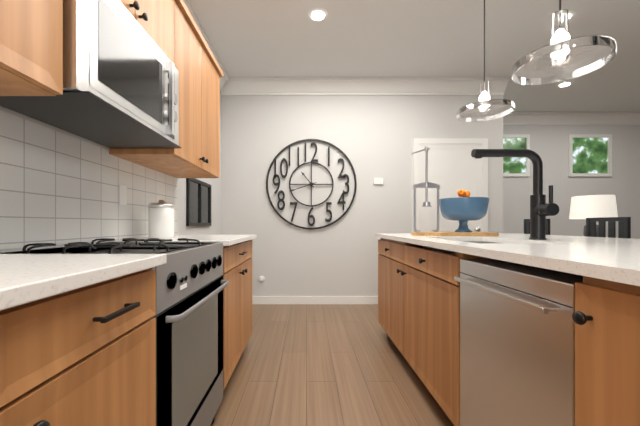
10:42
